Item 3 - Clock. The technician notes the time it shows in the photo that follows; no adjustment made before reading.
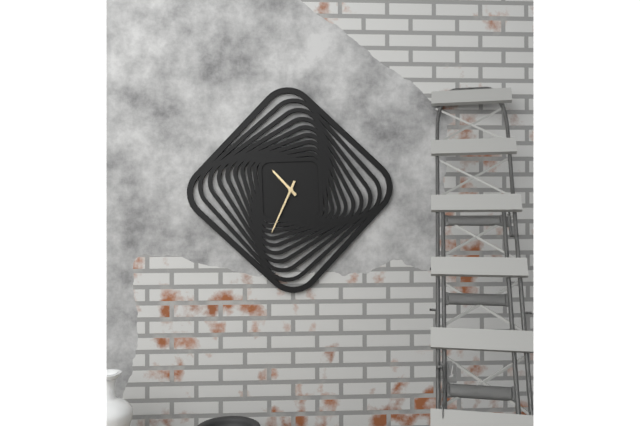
10:34
